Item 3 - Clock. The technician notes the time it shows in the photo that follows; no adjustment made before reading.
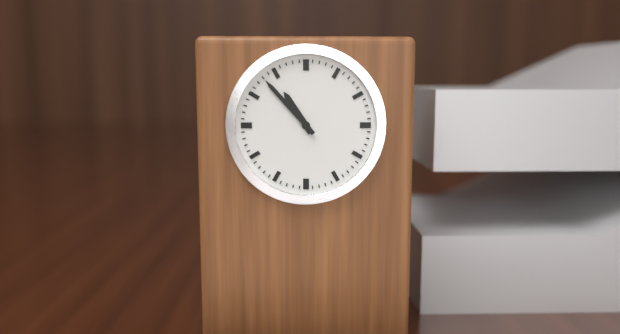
10:53
